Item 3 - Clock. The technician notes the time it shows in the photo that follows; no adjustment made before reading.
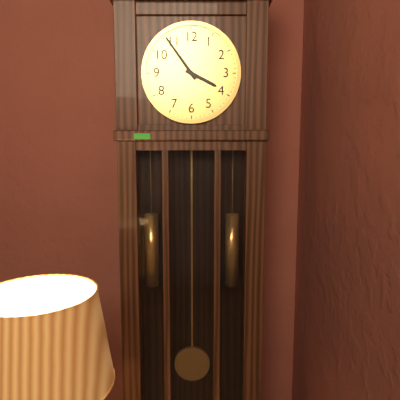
3:54
